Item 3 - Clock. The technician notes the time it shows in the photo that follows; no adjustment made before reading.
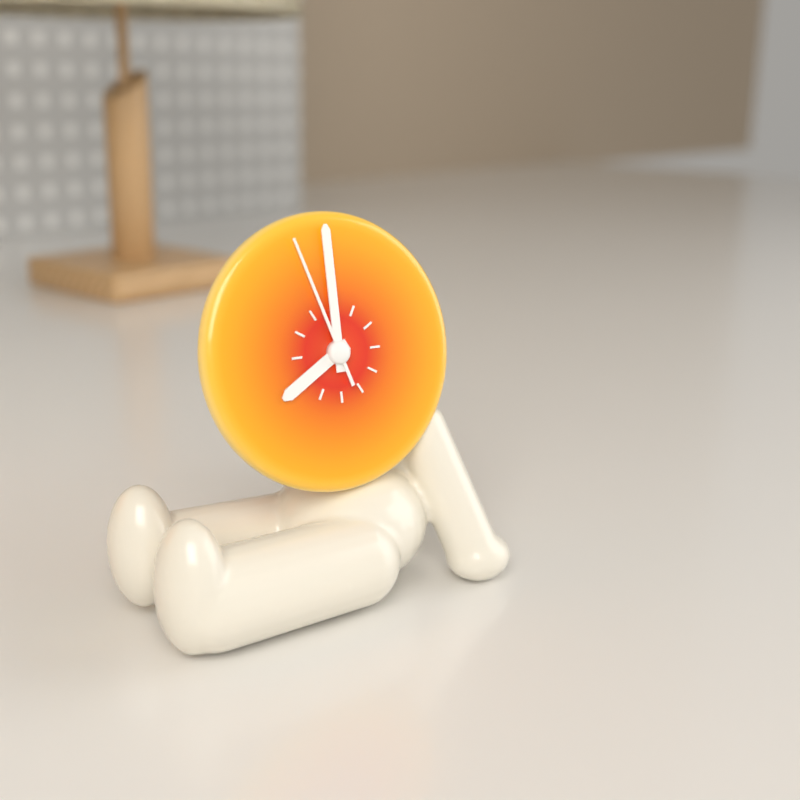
8:00:57
